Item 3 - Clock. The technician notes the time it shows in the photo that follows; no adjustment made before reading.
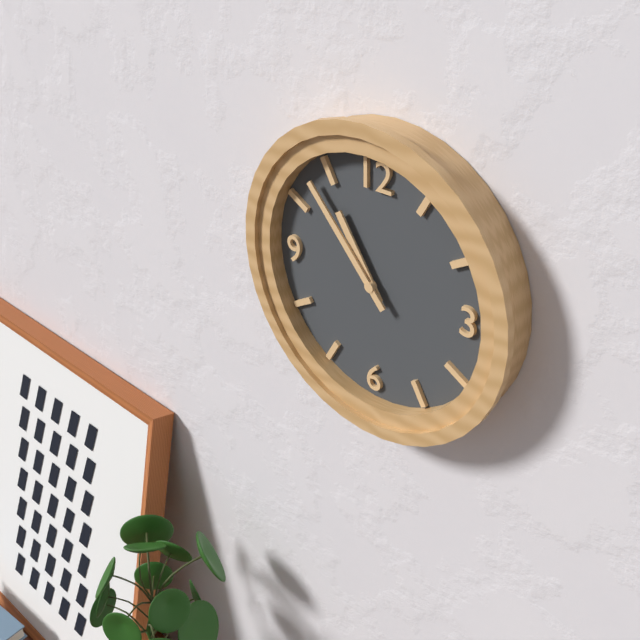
10:53
